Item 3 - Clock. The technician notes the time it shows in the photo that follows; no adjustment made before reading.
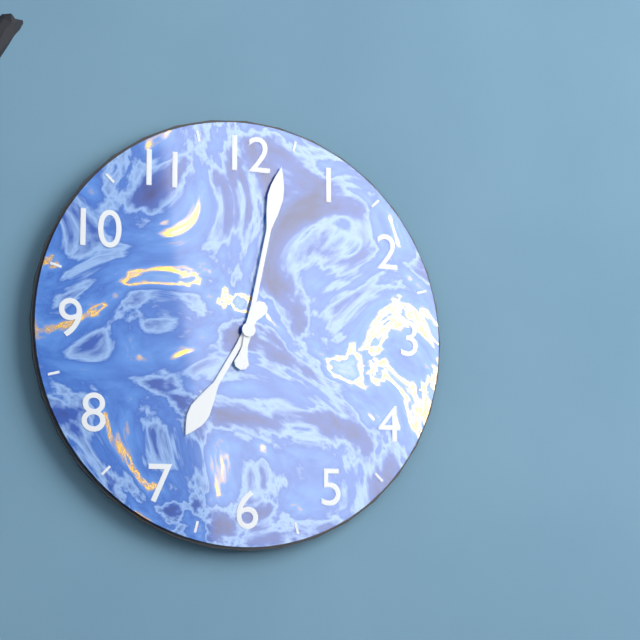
7:02
